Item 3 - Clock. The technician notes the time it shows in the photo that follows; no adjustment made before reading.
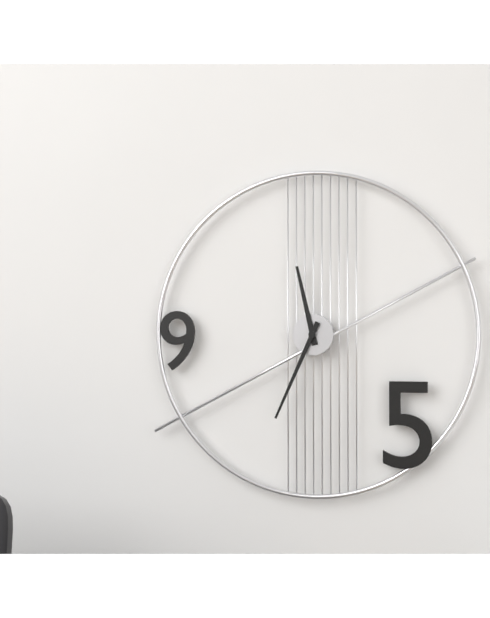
11:34
